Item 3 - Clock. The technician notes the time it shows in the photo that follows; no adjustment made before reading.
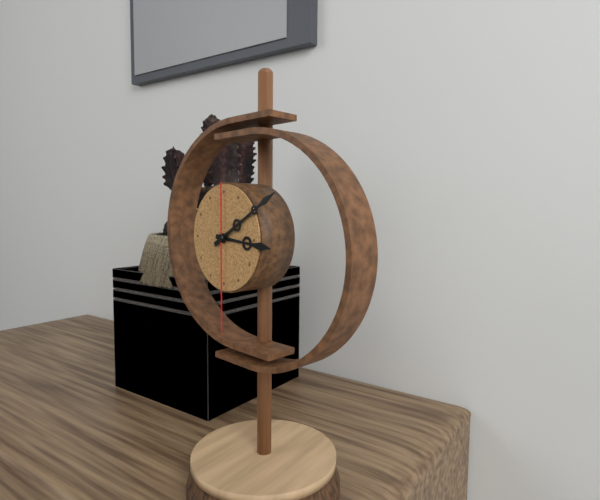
3:10:30
